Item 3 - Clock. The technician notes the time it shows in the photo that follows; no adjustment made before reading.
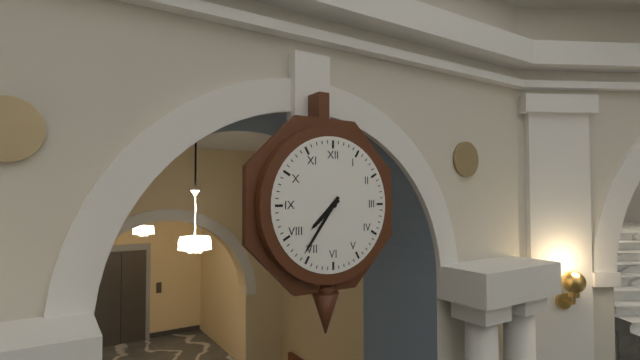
7:36
